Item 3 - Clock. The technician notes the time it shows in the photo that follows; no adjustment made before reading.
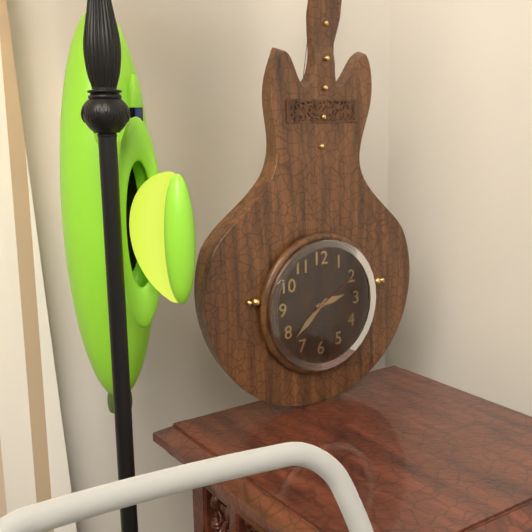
2:38:10
